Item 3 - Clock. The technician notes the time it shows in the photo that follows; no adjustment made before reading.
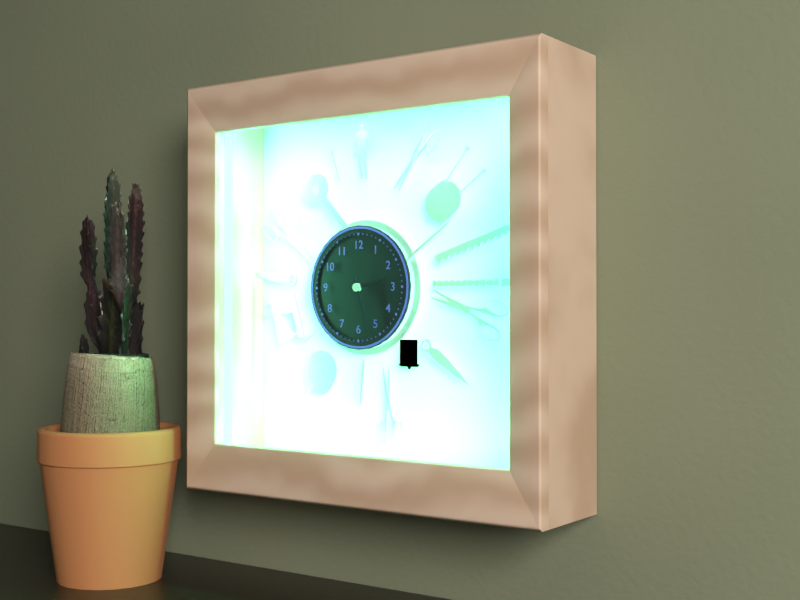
2:27
